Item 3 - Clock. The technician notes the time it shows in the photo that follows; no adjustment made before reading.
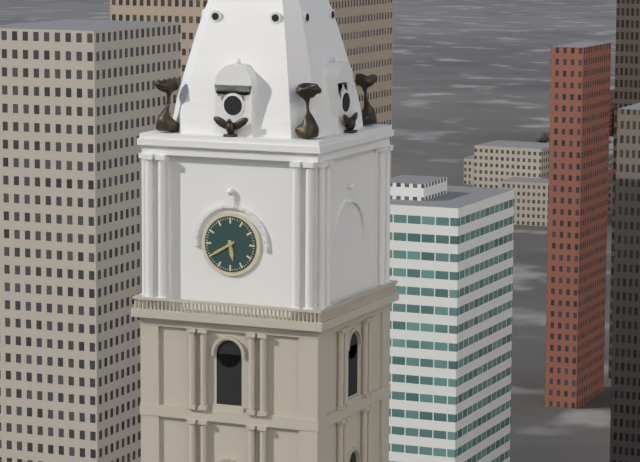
5:40
